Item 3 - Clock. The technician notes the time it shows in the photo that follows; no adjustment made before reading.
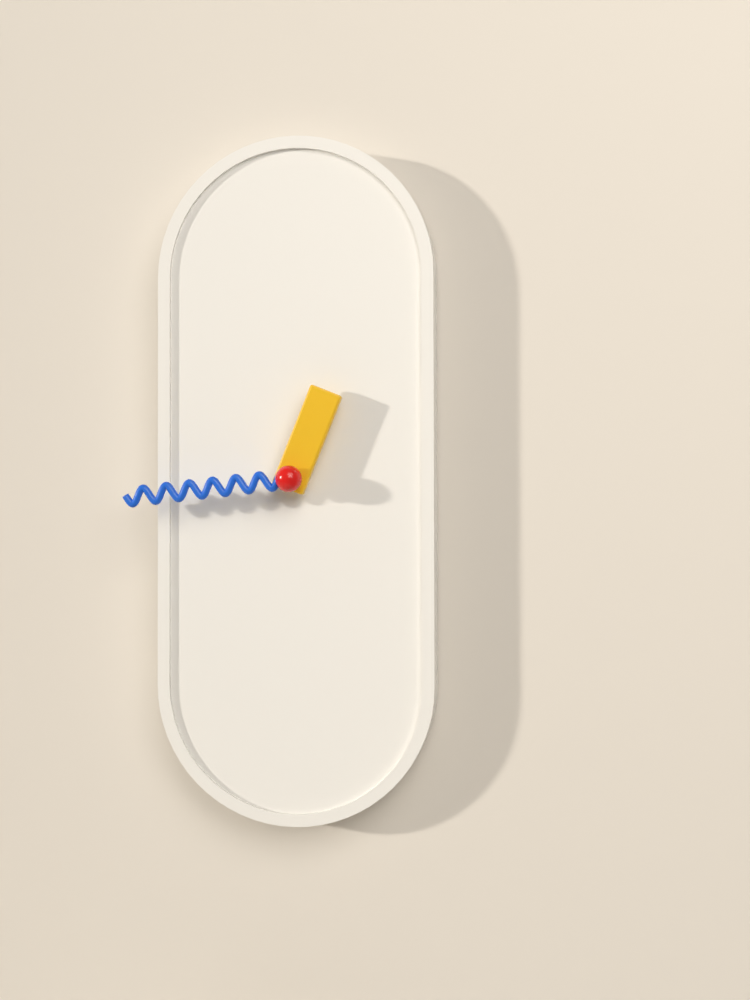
12:44
